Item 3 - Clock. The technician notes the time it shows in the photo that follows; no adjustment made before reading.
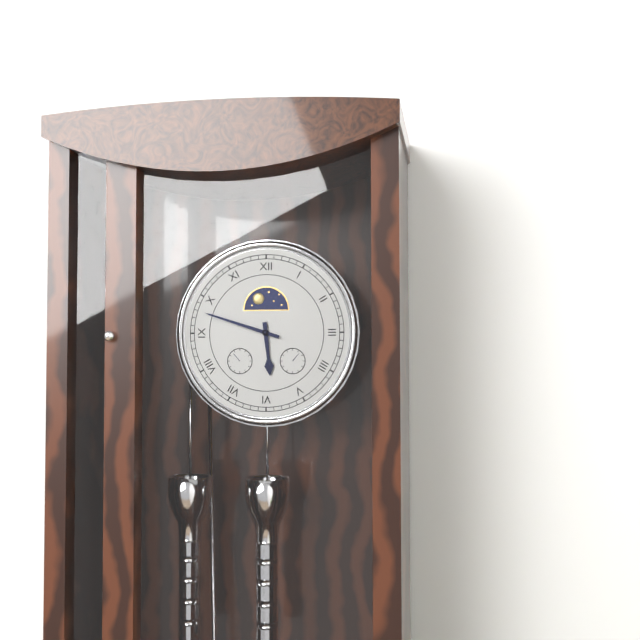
5:48
